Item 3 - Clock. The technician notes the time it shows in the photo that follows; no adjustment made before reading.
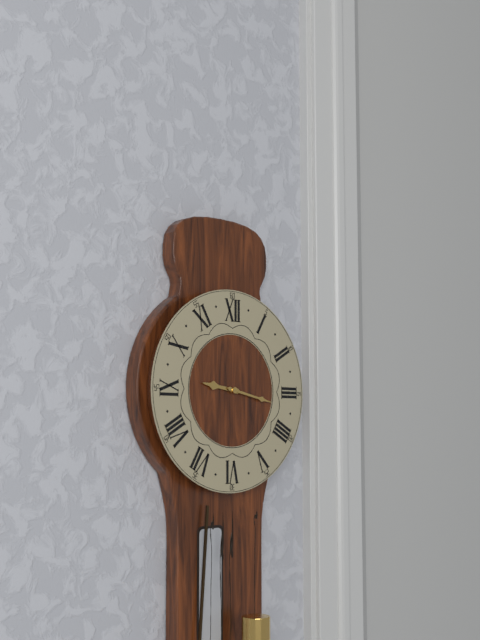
9:17
